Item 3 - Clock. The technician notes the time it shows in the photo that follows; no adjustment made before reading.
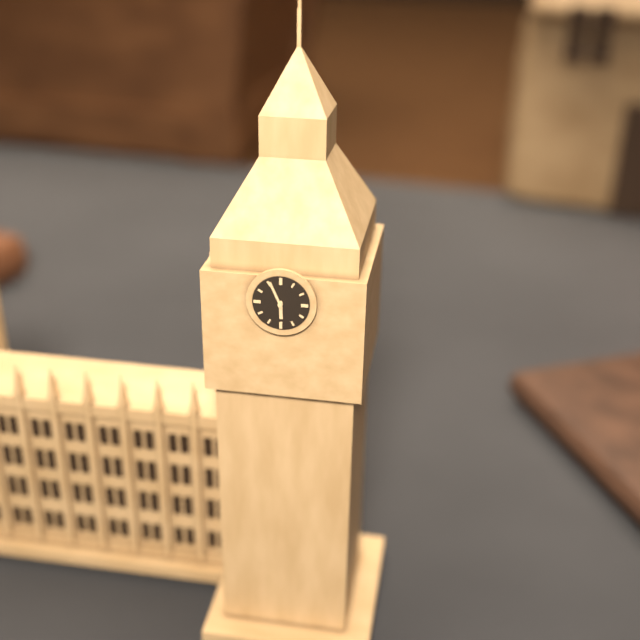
5:56
